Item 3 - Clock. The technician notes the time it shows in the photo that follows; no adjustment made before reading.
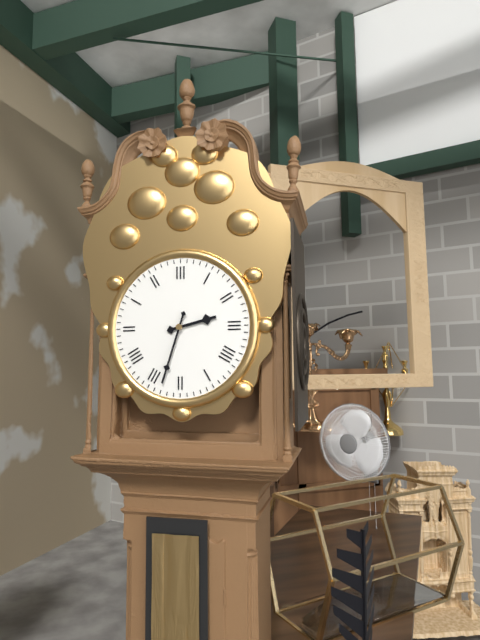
2:33
